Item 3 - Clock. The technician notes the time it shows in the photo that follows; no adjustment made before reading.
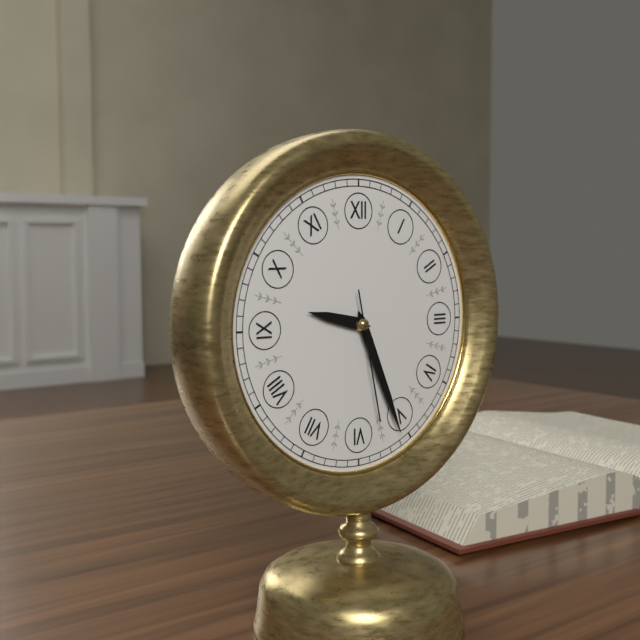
9:26:28
